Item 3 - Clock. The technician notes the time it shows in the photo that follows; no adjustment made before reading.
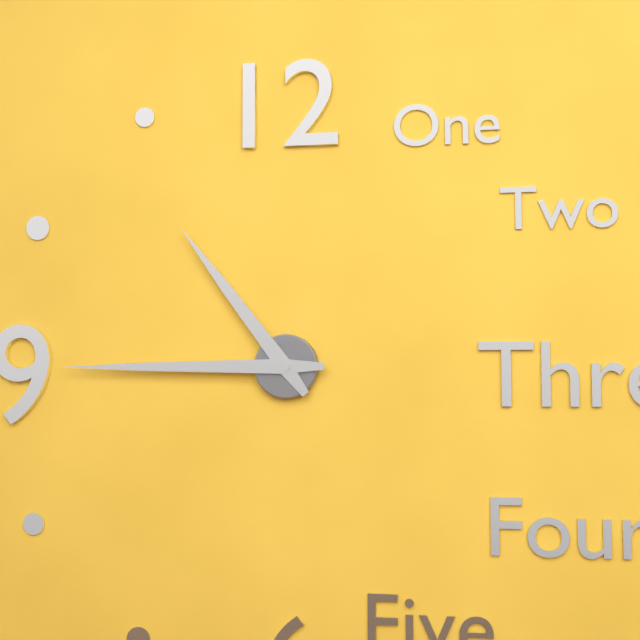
10:45
